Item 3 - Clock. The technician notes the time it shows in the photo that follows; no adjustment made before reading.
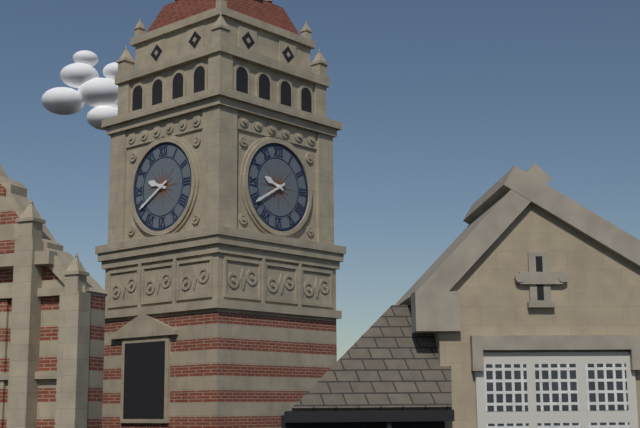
9:40
